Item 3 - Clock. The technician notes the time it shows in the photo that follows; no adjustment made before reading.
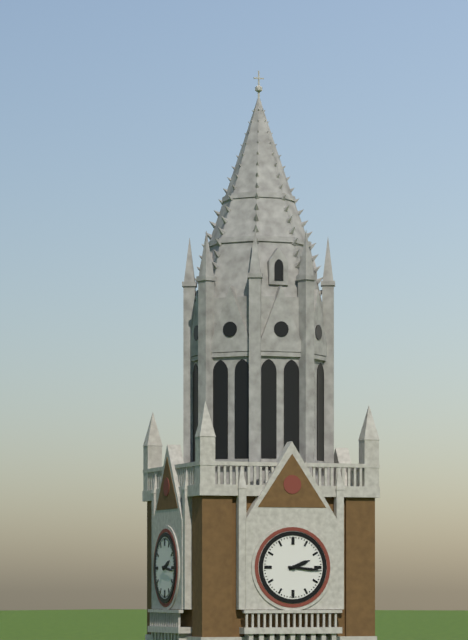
2:16
